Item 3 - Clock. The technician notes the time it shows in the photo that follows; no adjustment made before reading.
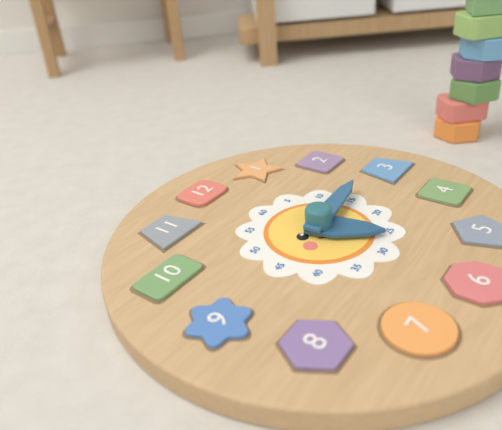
5:14
